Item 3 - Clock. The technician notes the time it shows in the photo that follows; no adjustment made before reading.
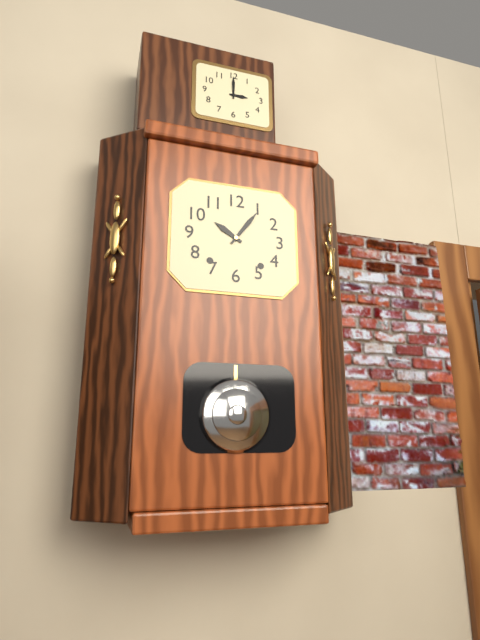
10:06
